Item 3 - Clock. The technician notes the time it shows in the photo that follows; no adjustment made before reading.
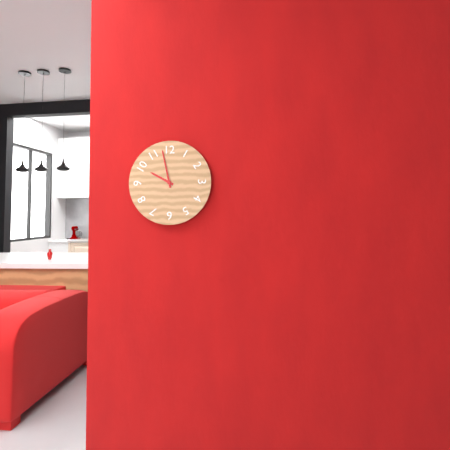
9:58
